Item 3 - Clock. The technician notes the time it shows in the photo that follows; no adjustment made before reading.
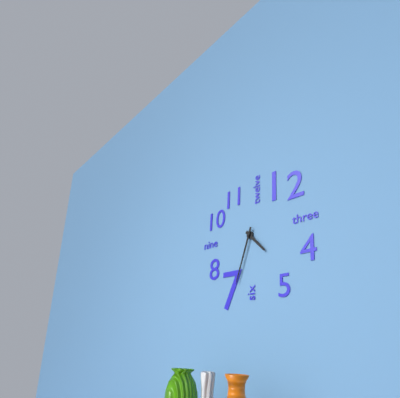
4:33
